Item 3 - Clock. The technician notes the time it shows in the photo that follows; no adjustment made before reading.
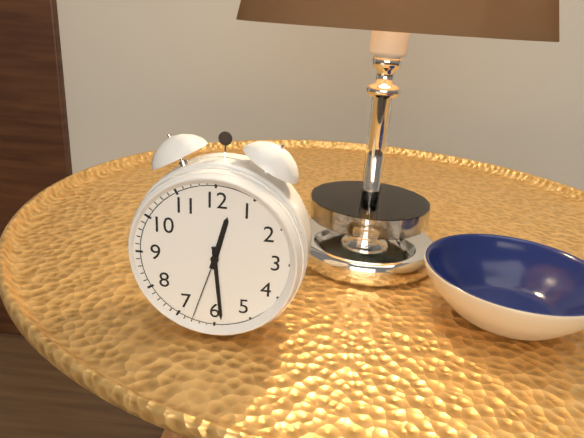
12:29:33
